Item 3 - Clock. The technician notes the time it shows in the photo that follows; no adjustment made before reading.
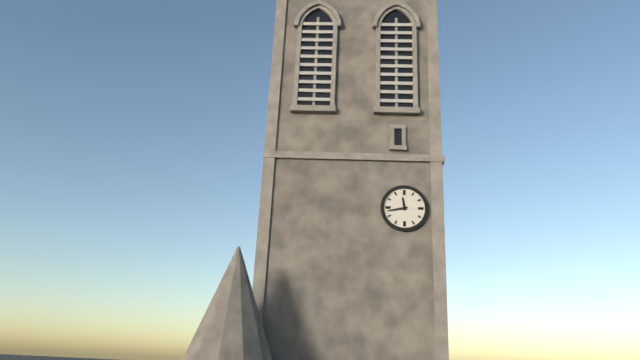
11:43
